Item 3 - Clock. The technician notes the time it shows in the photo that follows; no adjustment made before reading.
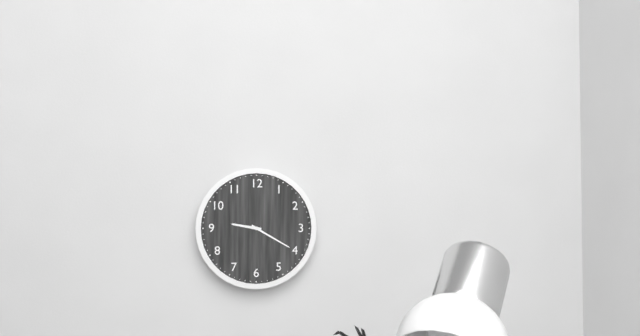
9:20
